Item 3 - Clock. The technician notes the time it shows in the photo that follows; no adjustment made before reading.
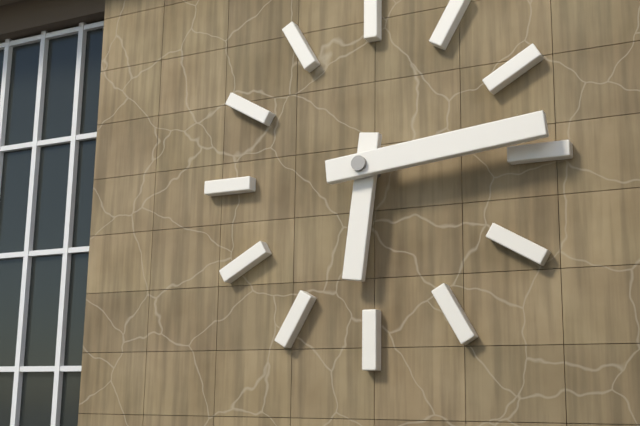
6:14
